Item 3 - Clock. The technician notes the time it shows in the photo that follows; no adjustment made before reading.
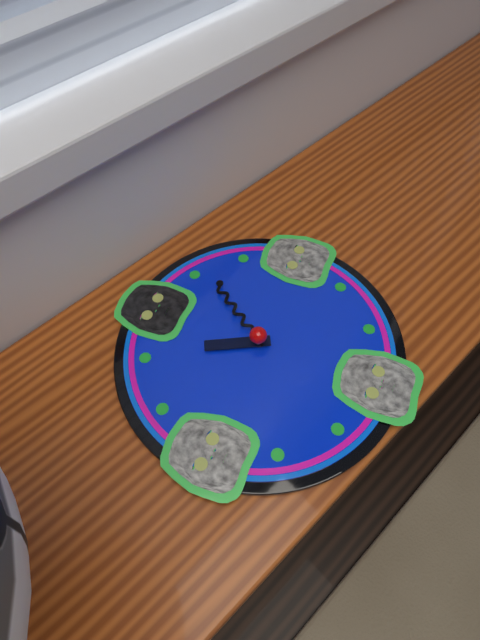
11:06
